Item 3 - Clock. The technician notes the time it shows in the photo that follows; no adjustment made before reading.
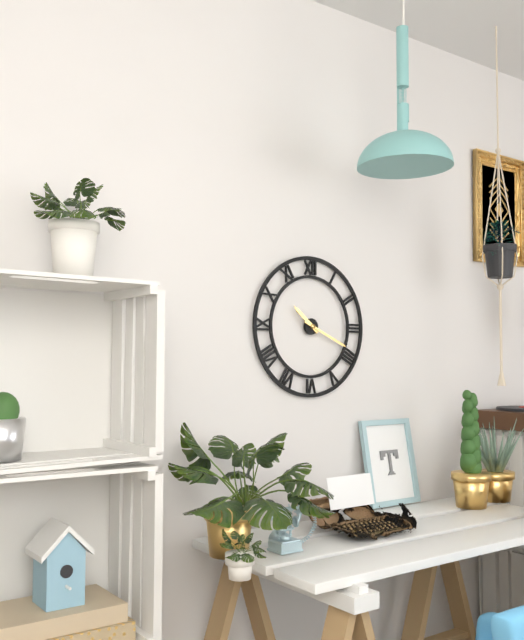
10:19
